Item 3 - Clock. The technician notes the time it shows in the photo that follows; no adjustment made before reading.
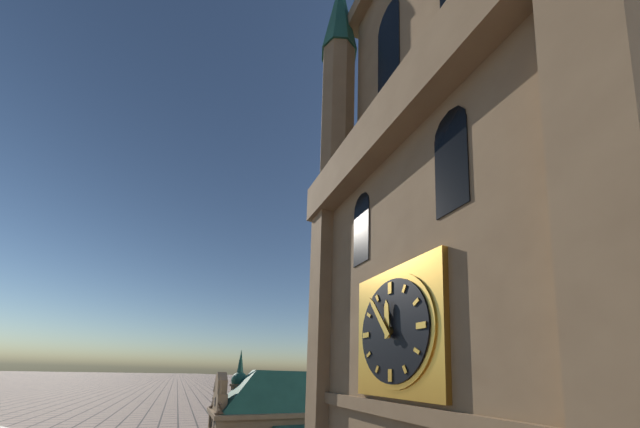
11:54
